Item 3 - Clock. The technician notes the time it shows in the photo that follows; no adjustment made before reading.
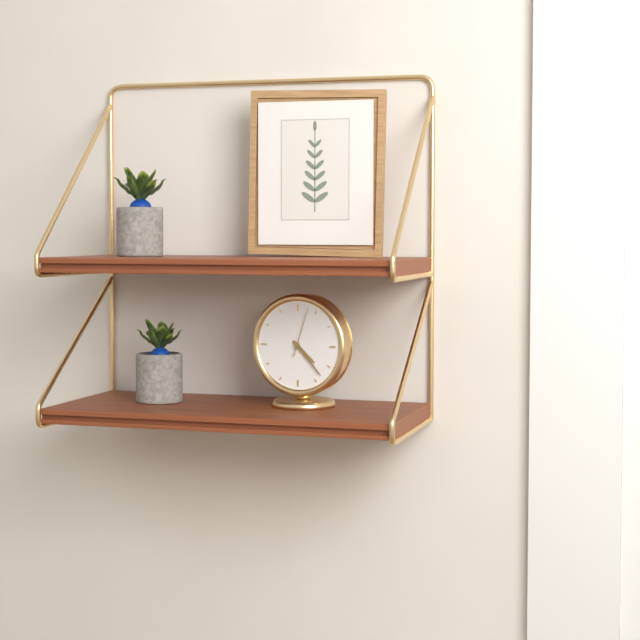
4:23:03
